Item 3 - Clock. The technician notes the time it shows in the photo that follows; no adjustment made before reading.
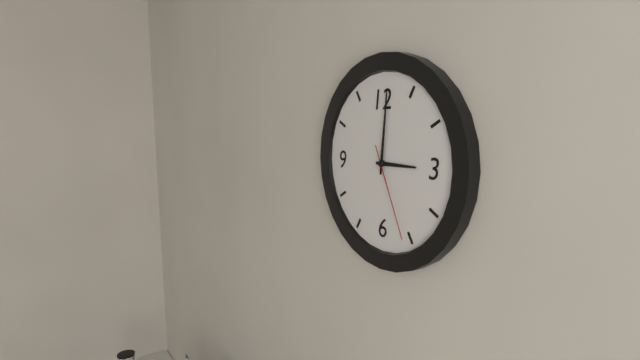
3:01:26
